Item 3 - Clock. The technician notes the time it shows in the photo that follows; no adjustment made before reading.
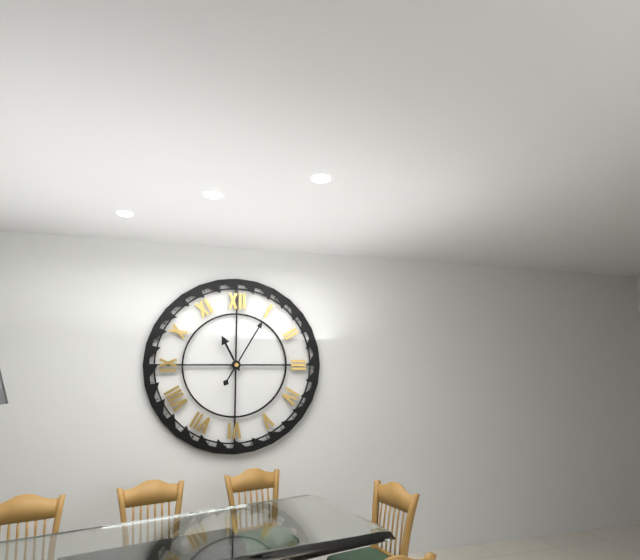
11:05
